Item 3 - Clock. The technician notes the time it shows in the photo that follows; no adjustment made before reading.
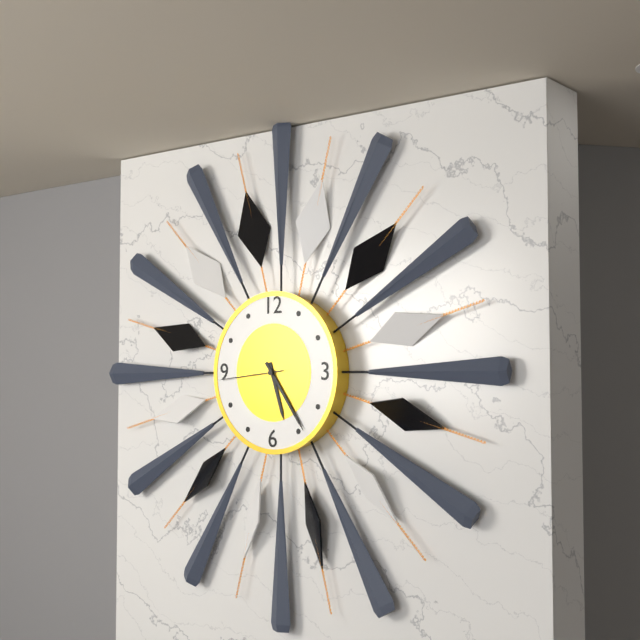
5:24:44
